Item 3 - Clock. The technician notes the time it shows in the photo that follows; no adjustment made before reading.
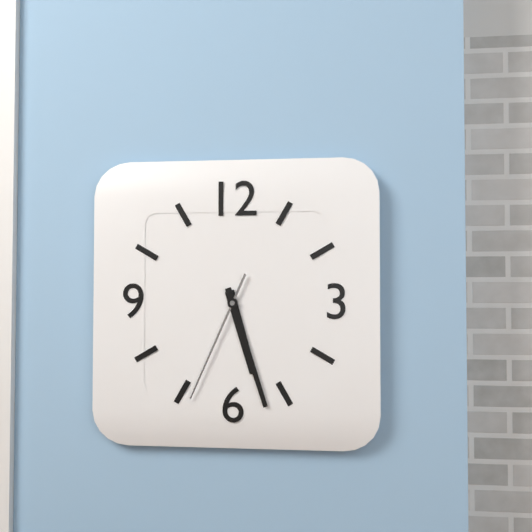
5:27:34
